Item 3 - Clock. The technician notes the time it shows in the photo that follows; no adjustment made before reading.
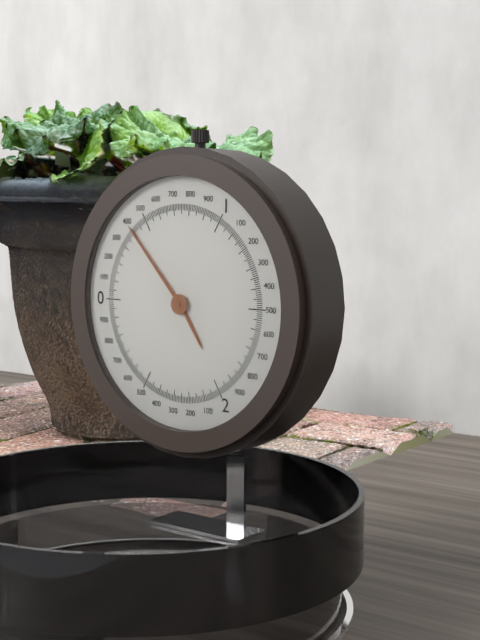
4:53
